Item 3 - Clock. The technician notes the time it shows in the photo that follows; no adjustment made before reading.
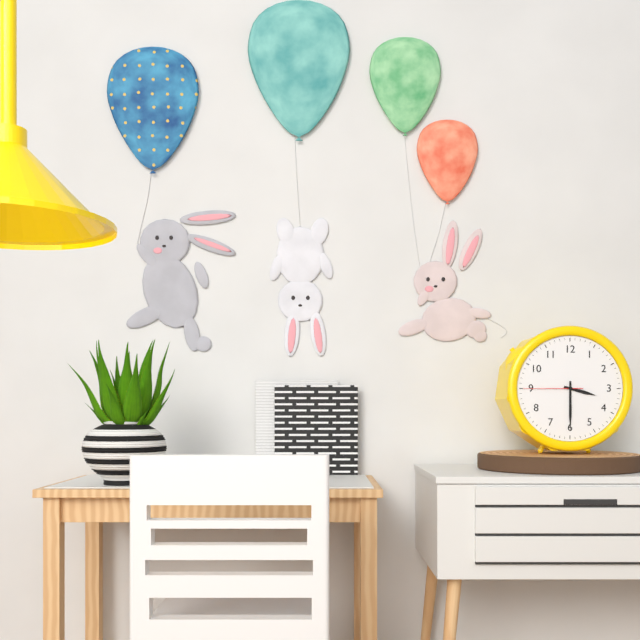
3:30:45
